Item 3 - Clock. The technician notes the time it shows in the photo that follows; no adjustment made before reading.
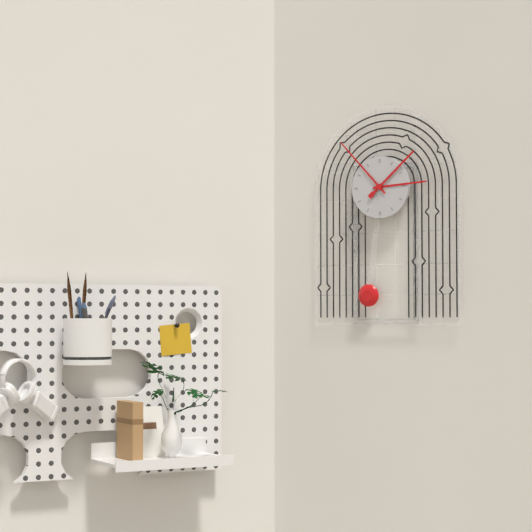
2:53:08
